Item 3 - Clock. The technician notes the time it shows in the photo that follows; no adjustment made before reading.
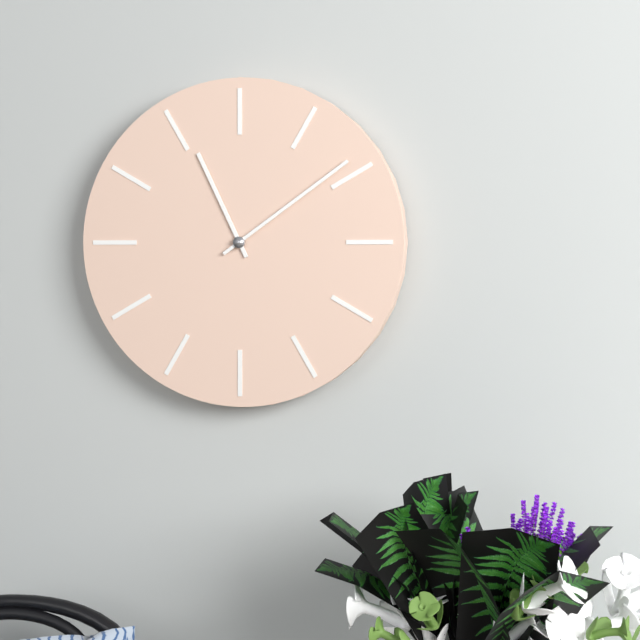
11:09
